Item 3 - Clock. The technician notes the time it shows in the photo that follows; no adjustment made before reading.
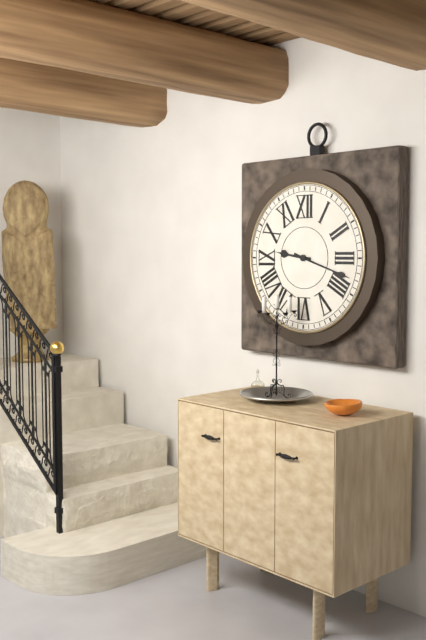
9:18
